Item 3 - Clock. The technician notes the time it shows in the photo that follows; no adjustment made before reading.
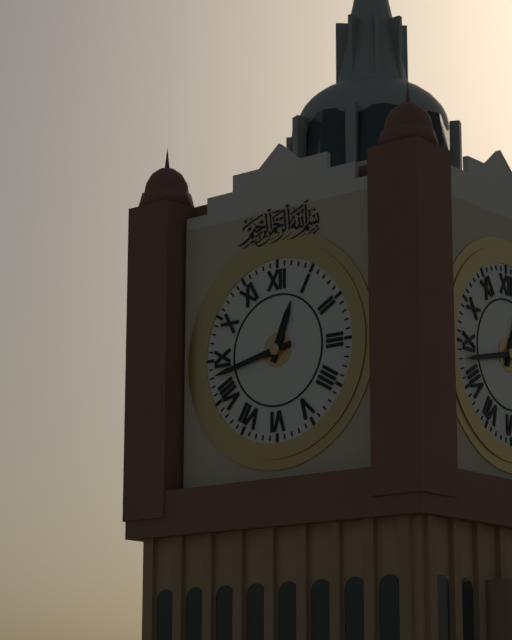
12:43
